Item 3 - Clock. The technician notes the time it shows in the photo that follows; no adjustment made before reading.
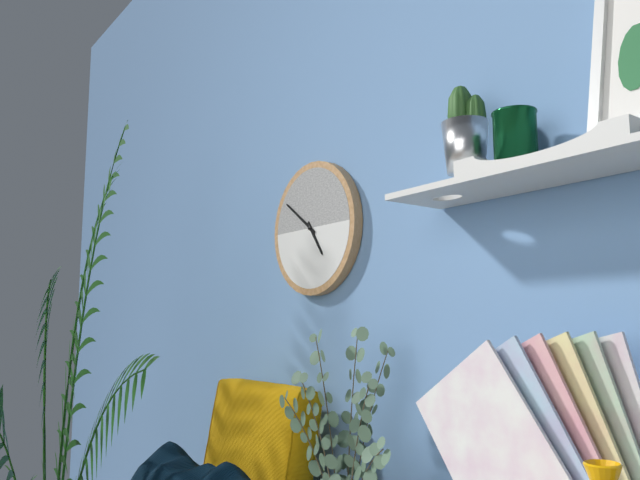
4:51
